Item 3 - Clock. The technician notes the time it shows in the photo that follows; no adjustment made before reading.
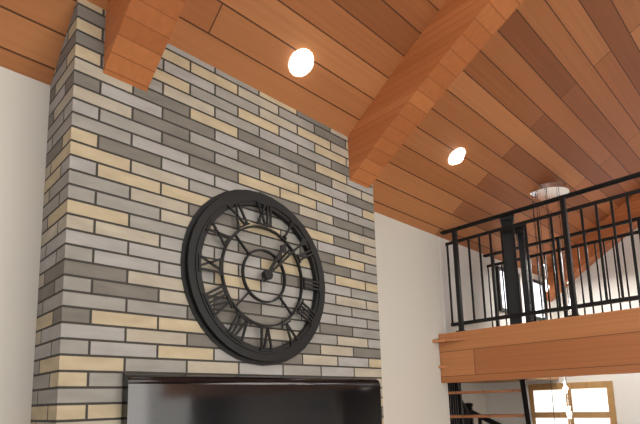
1:08
